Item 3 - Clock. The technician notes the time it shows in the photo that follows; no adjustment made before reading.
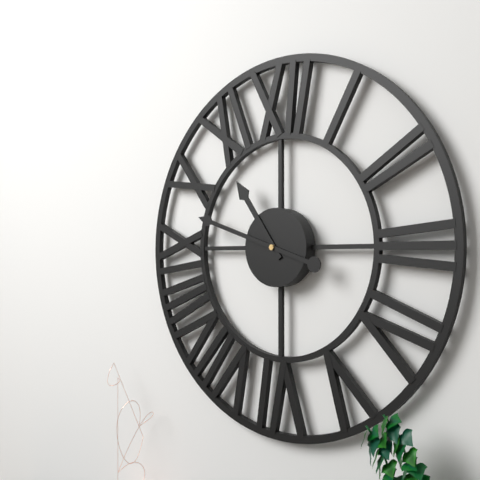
10:48
